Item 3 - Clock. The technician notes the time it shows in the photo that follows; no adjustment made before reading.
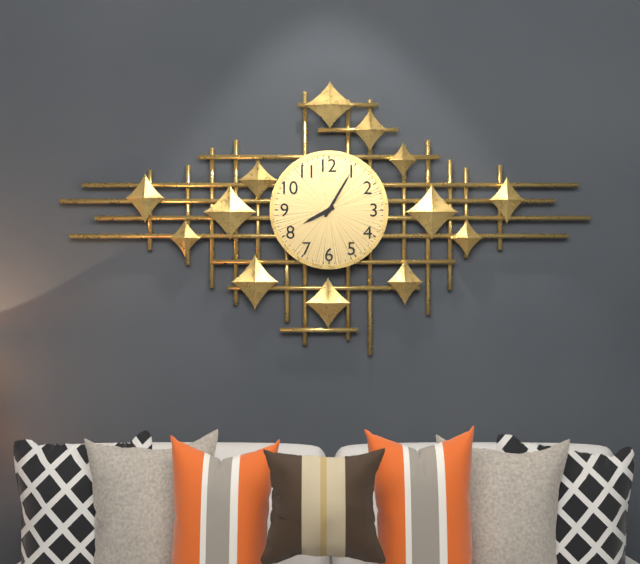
8:05
